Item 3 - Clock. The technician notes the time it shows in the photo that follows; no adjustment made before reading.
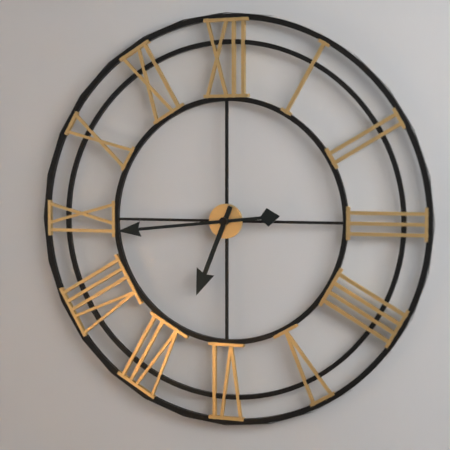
6:44
